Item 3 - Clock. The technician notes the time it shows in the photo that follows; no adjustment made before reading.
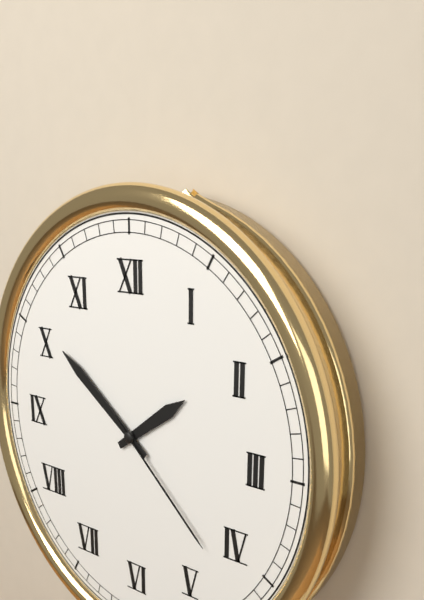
1:51:22
